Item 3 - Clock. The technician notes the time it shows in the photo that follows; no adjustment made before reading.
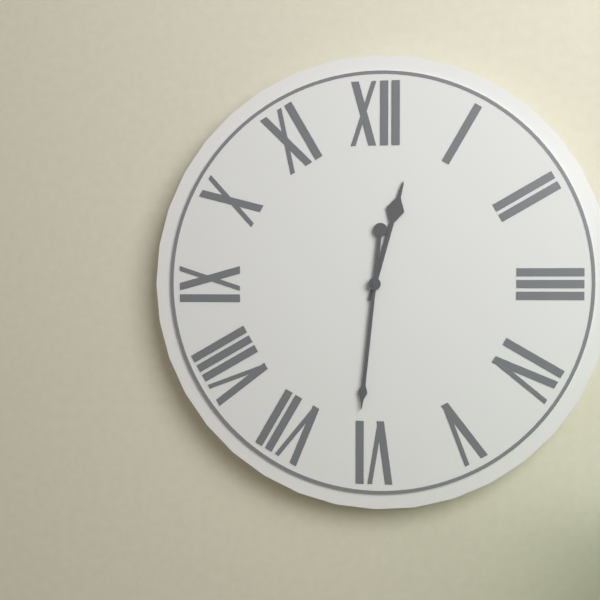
12:31
